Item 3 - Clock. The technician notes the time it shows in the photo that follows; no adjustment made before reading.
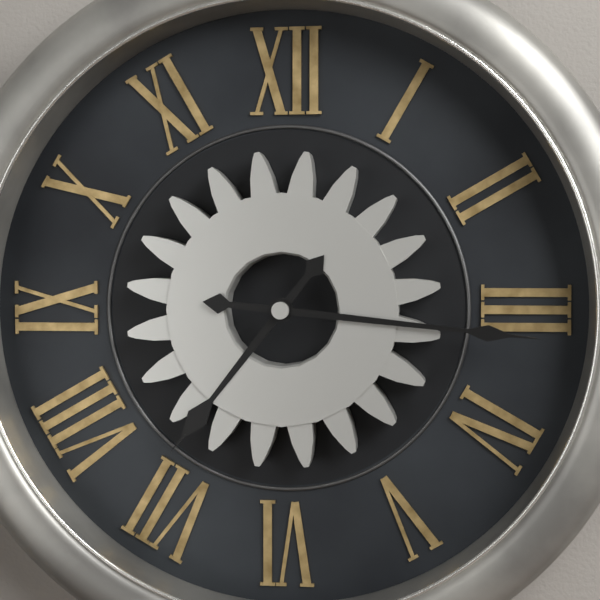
7:16
